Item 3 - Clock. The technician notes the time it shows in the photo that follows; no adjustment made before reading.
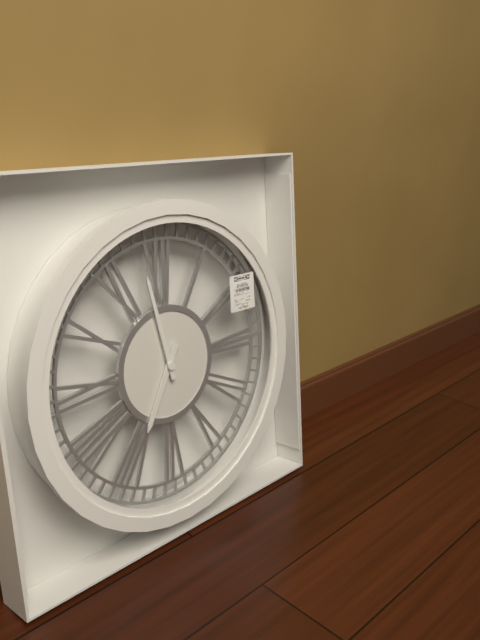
6:58
